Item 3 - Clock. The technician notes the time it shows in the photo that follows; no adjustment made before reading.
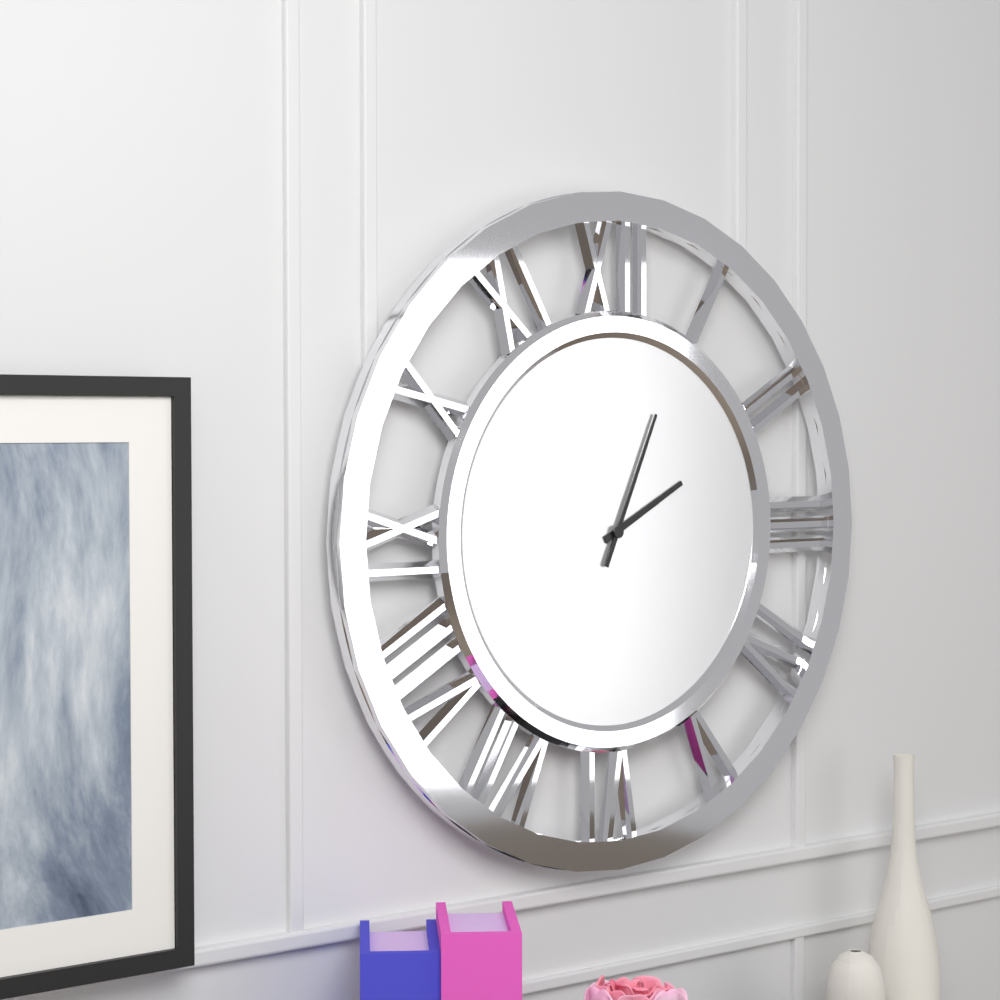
2:04
